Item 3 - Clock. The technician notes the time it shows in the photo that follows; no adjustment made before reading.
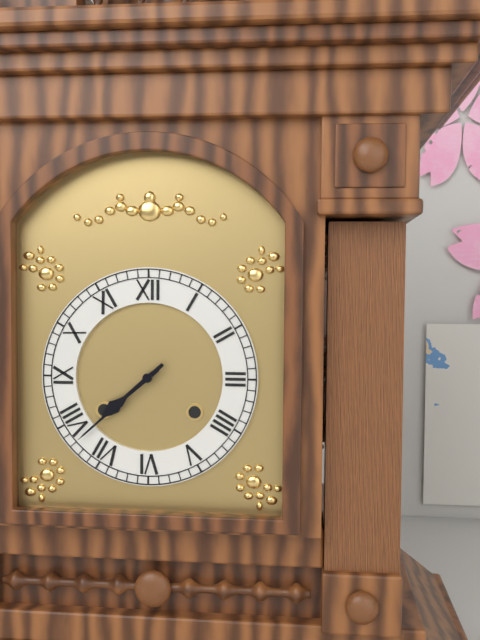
7:38
